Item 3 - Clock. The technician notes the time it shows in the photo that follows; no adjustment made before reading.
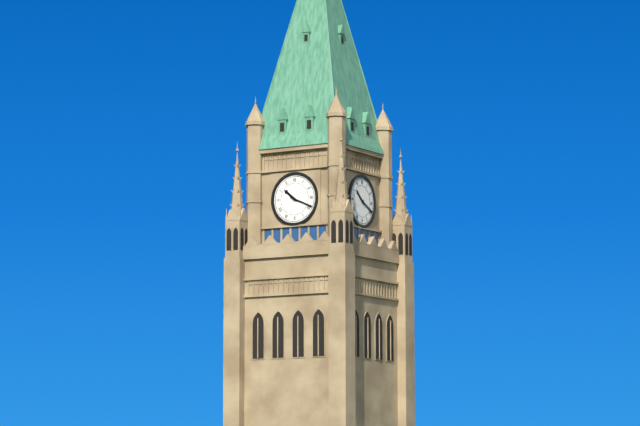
10:19
